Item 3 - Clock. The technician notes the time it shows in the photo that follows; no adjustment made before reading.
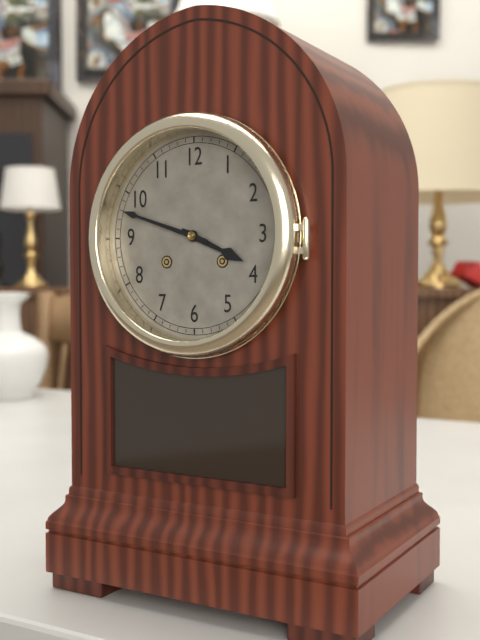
3:48
